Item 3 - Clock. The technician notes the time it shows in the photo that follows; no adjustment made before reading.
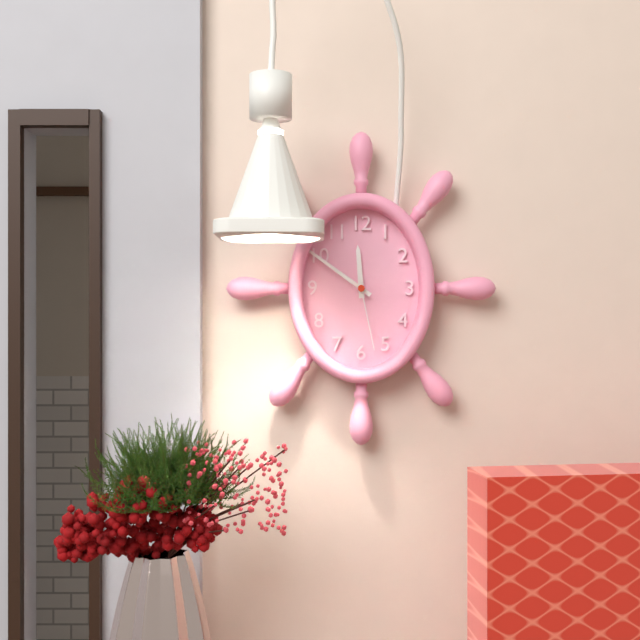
11:51:28
